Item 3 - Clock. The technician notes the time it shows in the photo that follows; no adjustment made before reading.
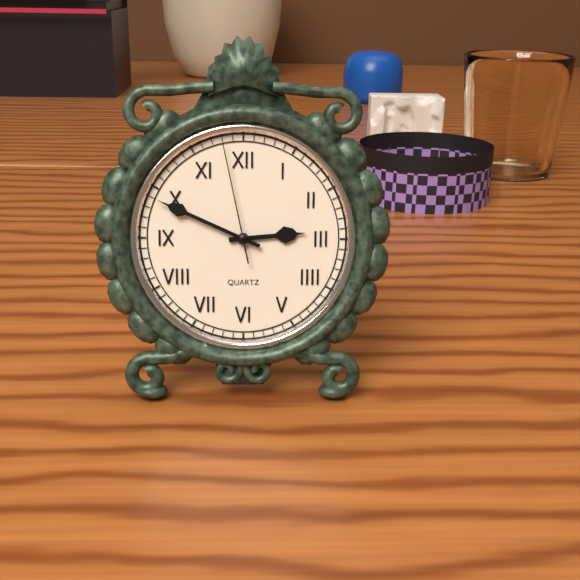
2:49:58
